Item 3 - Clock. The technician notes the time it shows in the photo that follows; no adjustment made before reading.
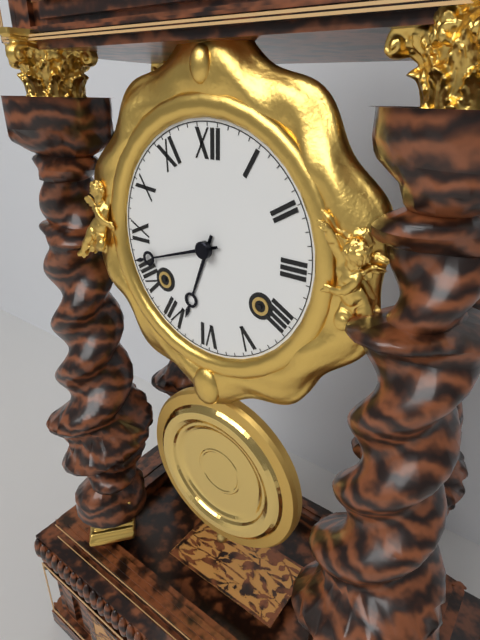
6:42
